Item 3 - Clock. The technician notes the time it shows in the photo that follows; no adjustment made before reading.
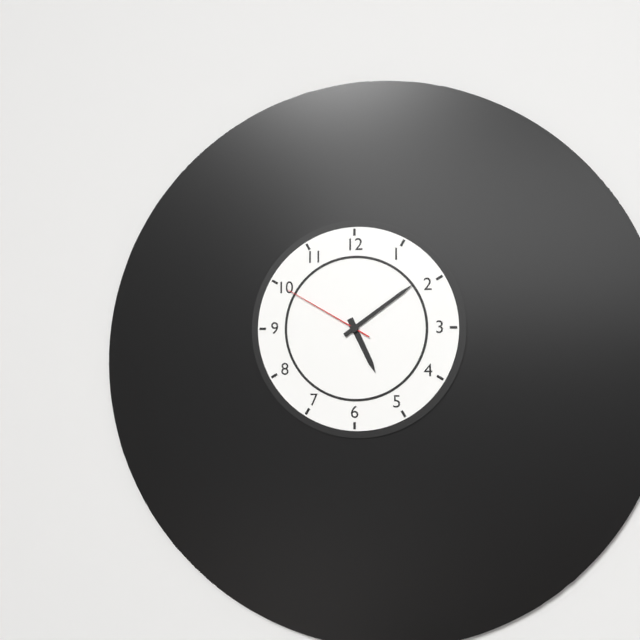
5:09:50
